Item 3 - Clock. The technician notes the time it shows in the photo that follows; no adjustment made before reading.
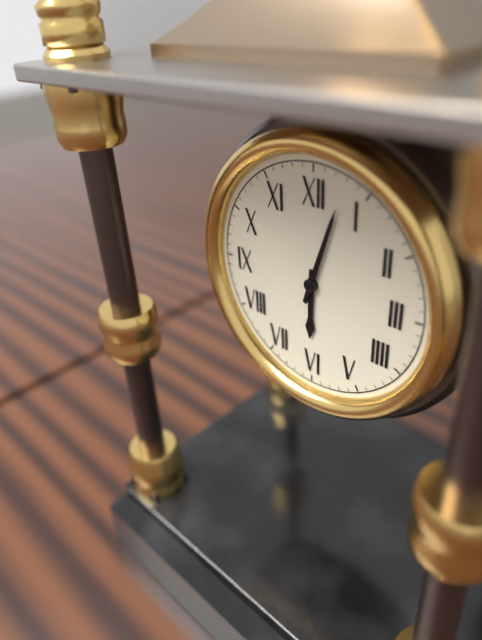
6:03
